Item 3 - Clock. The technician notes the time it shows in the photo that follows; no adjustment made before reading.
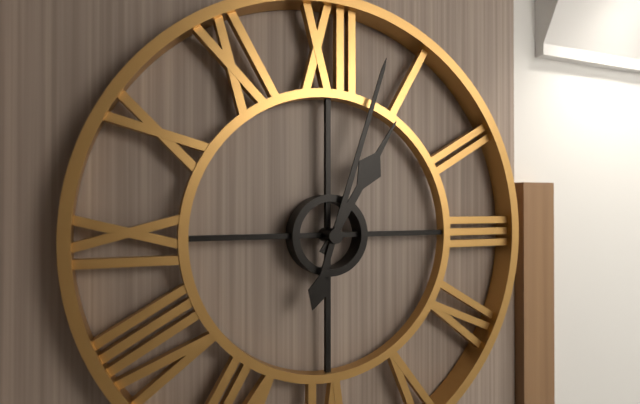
1:03
